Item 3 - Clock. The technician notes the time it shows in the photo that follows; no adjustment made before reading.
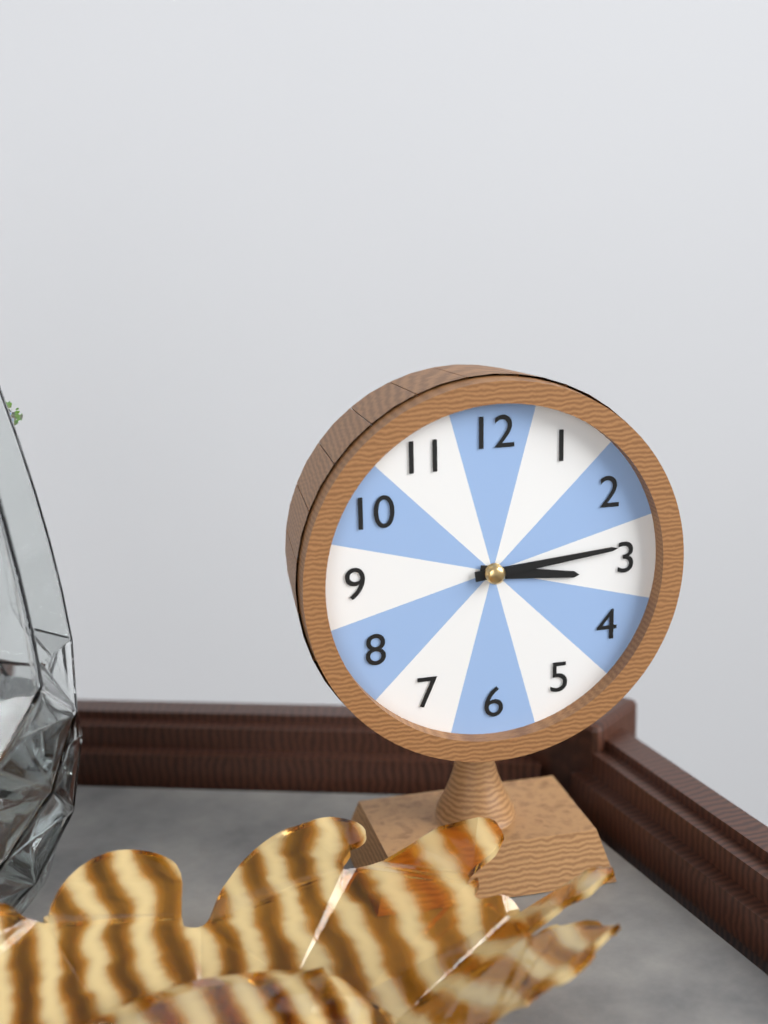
3:14
